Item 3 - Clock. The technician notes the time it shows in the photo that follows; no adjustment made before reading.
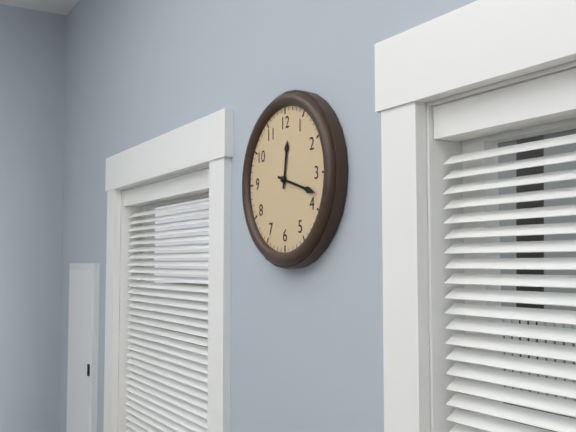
12:18
